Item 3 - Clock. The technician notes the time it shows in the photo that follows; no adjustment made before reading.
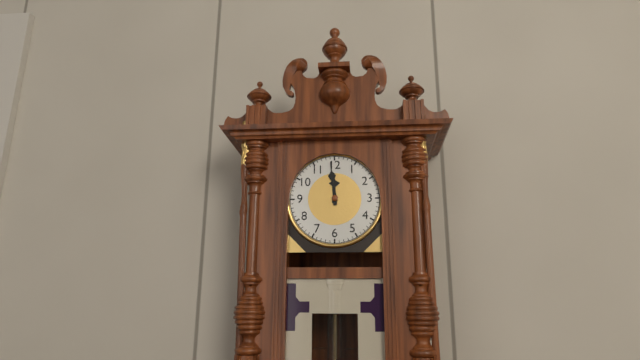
11:59
